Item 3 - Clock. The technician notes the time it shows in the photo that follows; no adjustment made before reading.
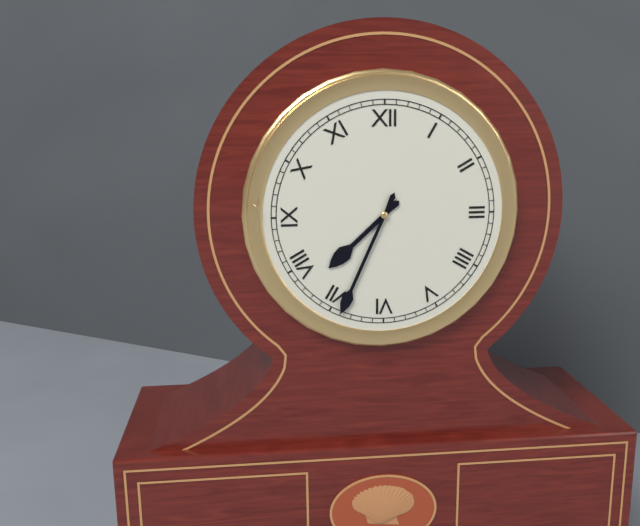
7:34
